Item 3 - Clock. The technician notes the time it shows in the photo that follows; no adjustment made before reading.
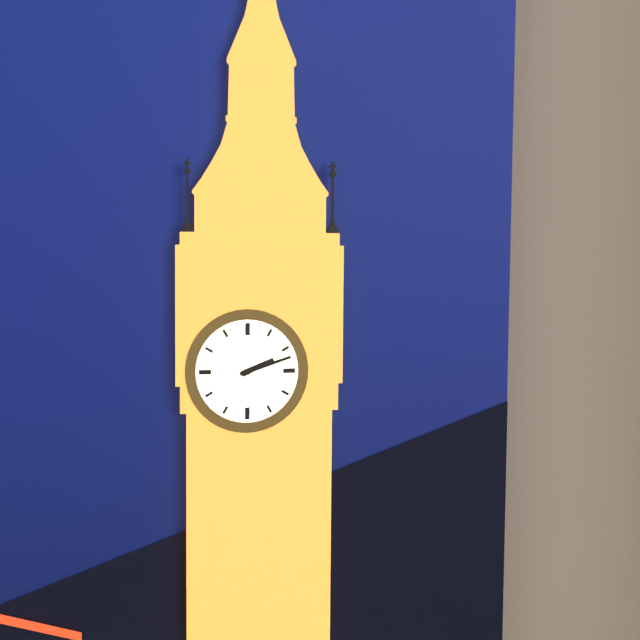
2:12
